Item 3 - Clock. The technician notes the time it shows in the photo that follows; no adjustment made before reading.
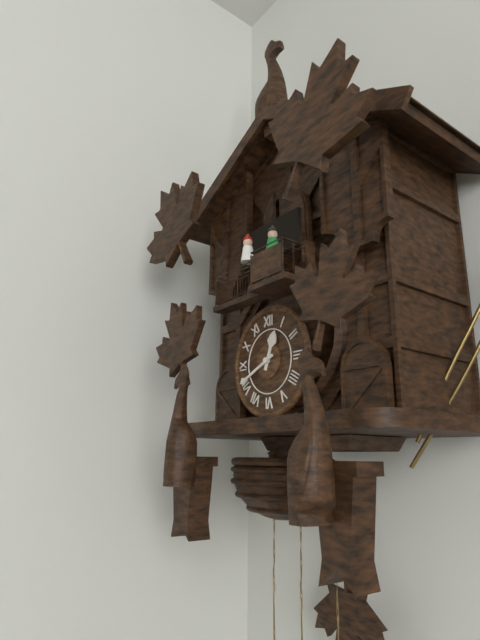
12:41
